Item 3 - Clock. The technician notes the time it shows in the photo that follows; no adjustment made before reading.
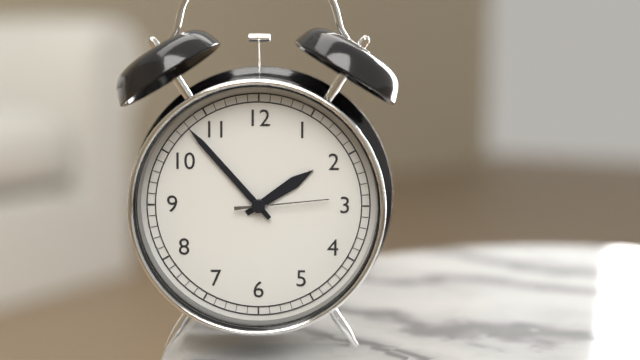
1:53:14
